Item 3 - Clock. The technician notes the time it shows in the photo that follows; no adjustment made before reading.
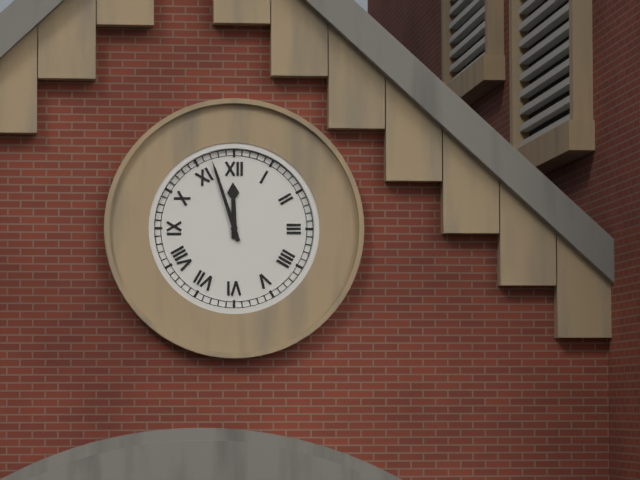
11:57
